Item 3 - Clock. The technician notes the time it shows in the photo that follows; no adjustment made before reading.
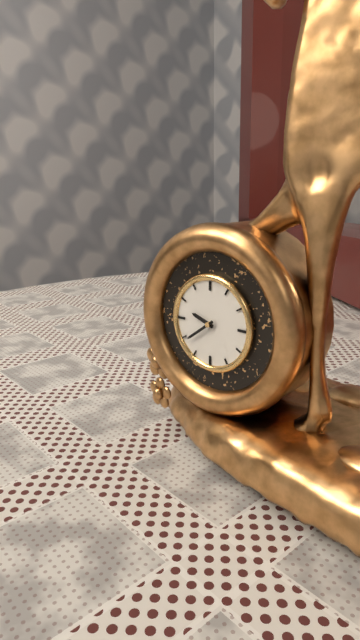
9:39
